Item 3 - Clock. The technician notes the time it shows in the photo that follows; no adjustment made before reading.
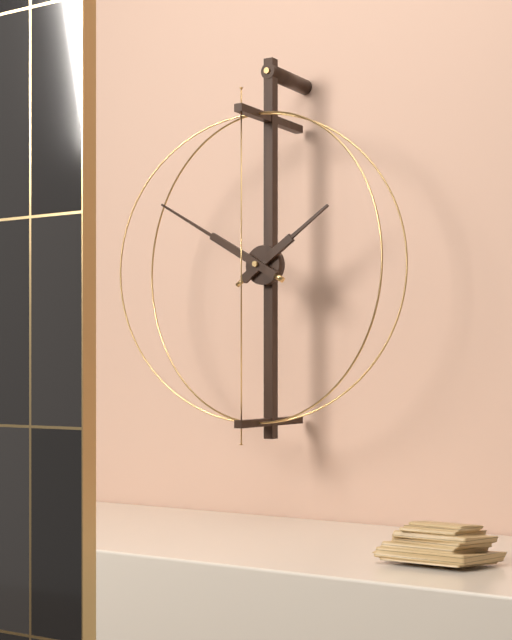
1:50
